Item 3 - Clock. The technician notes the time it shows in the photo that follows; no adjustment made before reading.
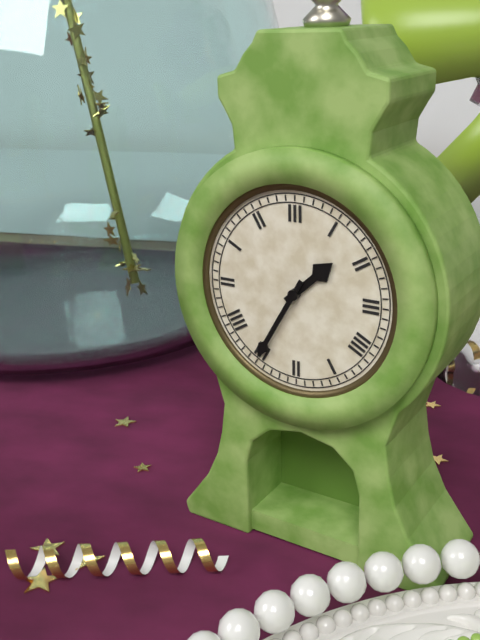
1:35
